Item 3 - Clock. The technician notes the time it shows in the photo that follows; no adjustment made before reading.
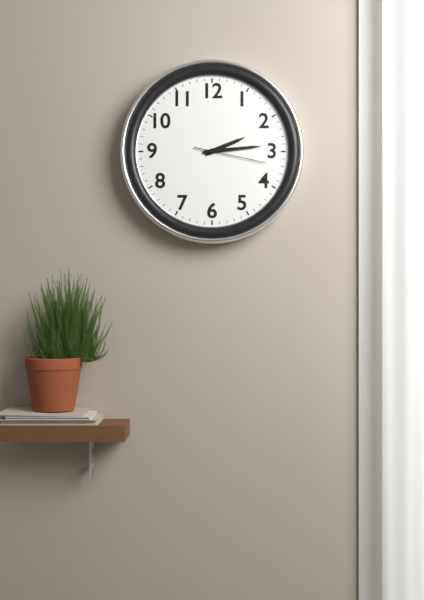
2:14:17
